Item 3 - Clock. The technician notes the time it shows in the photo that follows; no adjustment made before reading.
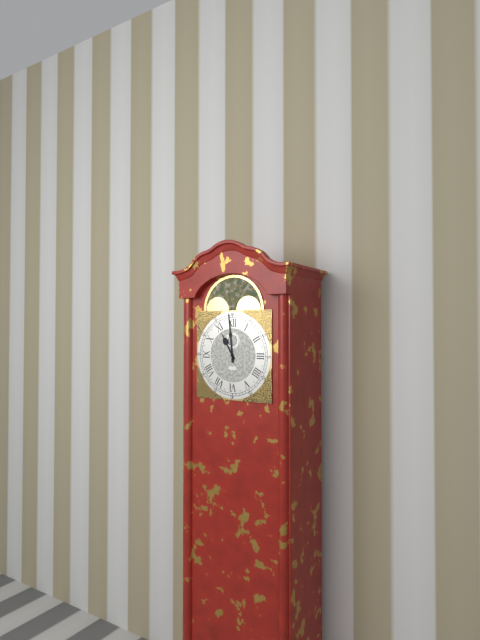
10:59
